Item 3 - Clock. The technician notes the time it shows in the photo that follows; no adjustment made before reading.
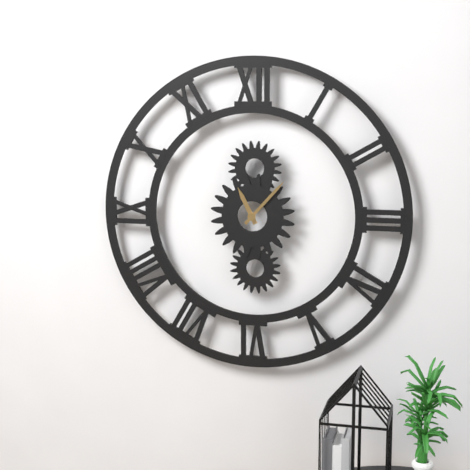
11:07
